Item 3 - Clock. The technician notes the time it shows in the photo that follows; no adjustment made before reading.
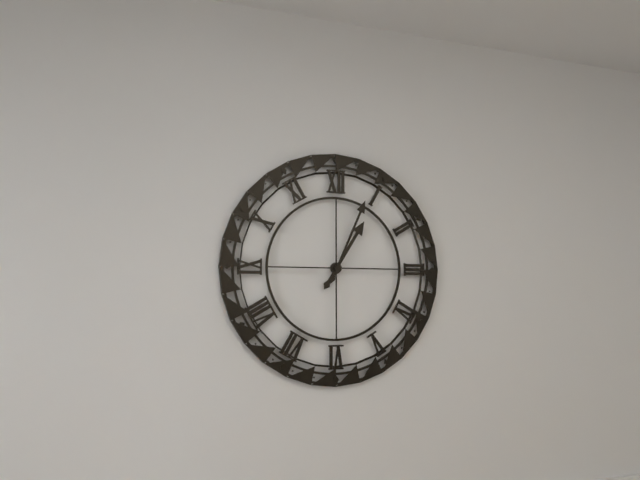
1:04
